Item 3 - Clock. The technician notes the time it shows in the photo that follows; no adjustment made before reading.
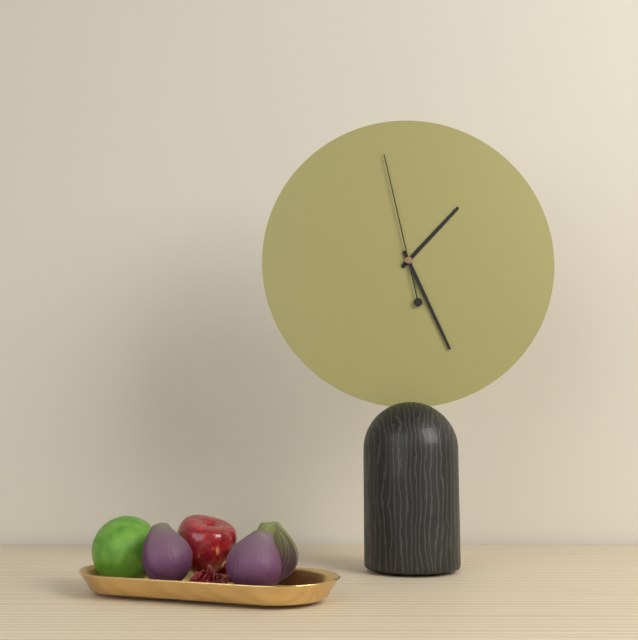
1:26:58
